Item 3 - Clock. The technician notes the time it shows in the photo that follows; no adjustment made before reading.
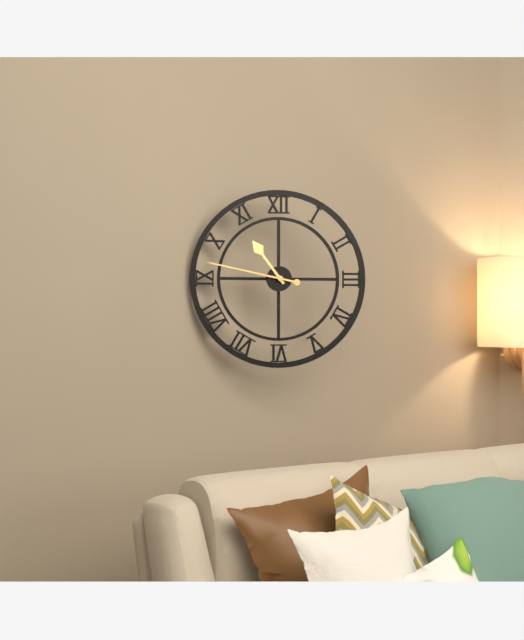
10:47
